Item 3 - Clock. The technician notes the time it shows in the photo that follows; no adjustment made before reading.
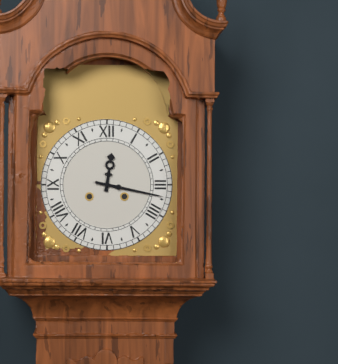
12:17
